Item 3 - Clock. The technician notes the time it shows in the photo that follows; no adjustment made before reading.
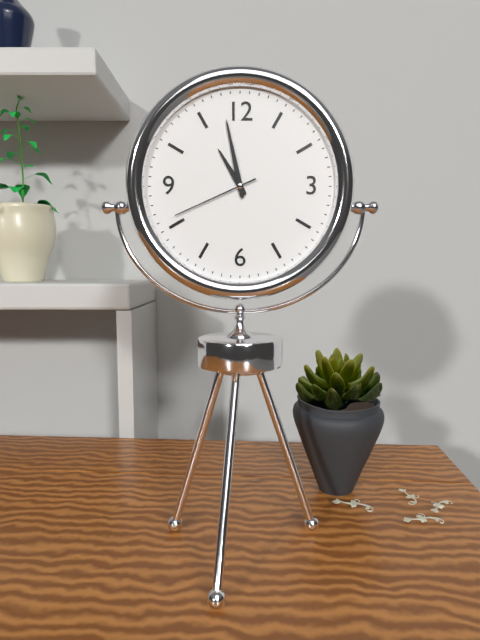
10:58:41
